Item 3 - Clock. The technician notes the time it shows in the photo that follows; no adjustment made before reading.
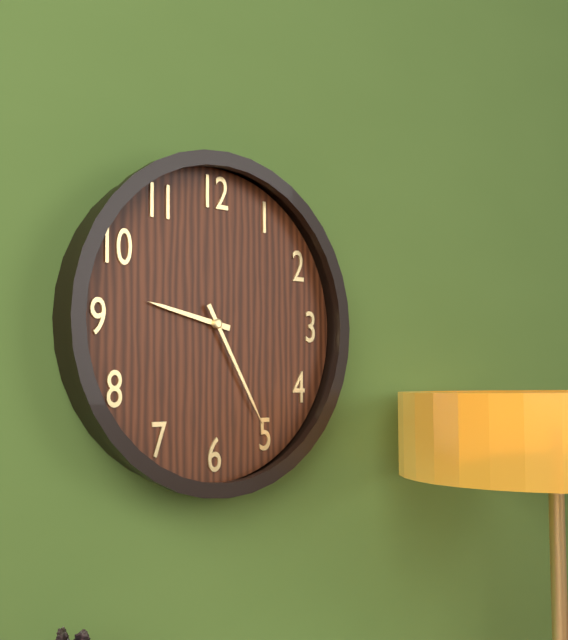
9:25
